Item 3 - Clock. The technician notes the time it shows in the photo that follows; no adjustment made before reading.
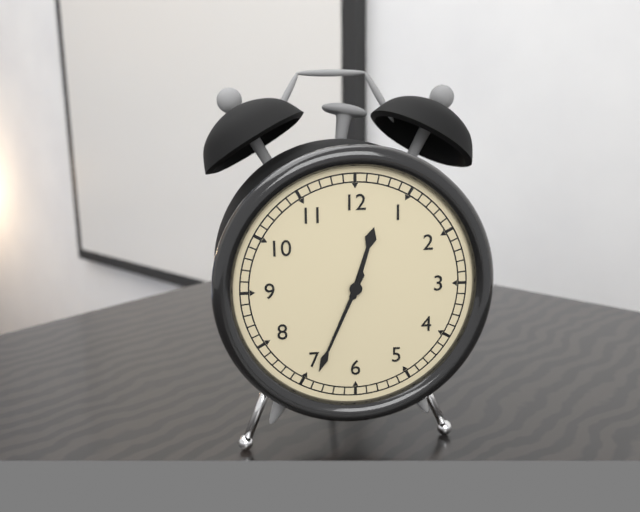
12:34
